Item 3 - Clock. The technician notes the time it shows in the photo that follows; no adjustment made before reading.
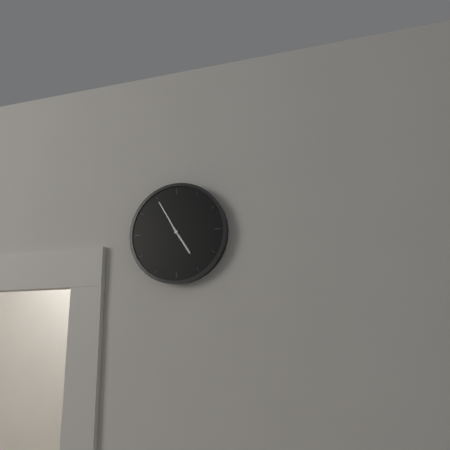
4:55
